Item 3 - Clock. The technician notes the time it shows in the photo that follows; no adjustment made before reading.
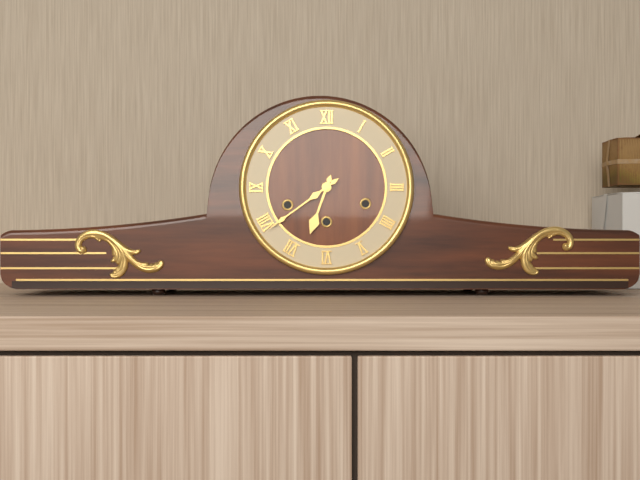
6:39
